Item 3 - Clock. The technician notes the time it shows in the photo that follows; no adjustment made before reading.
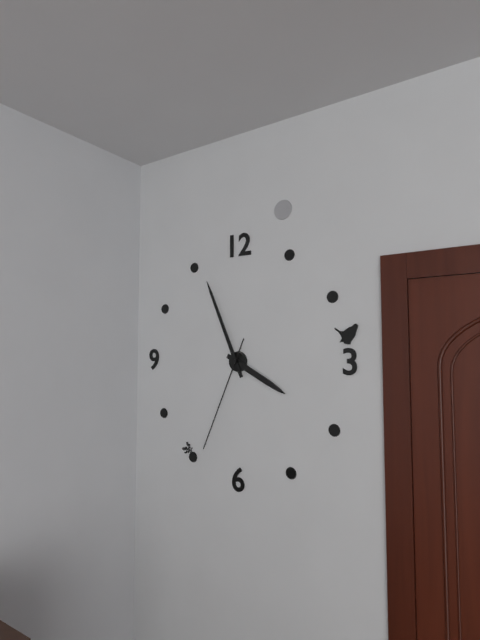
3:56:34
